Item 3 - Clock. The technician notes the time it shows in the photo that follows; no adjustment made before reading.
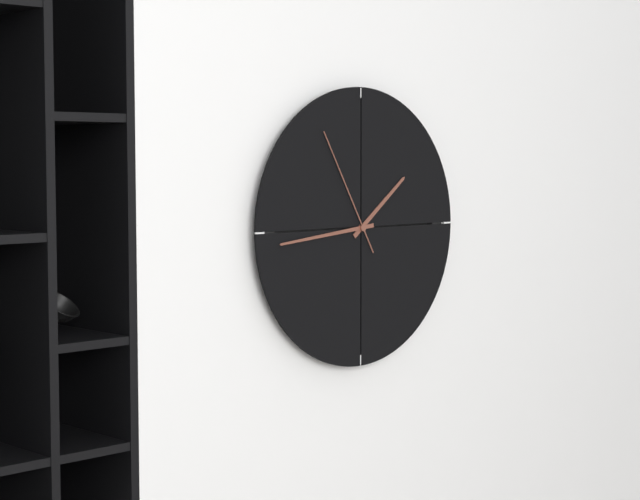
1:44:55
